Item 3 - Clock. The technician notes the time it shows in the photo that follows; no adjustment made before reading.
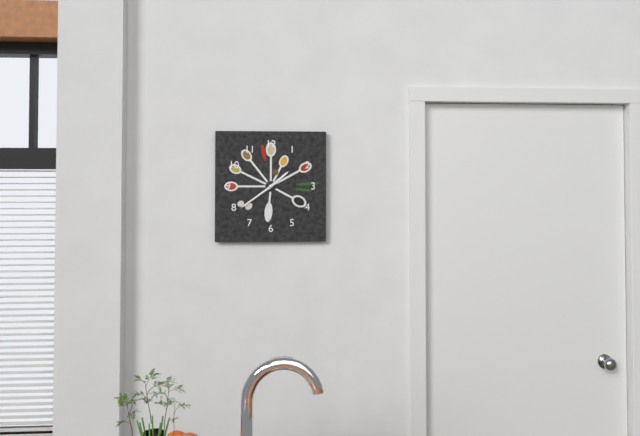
1:39
